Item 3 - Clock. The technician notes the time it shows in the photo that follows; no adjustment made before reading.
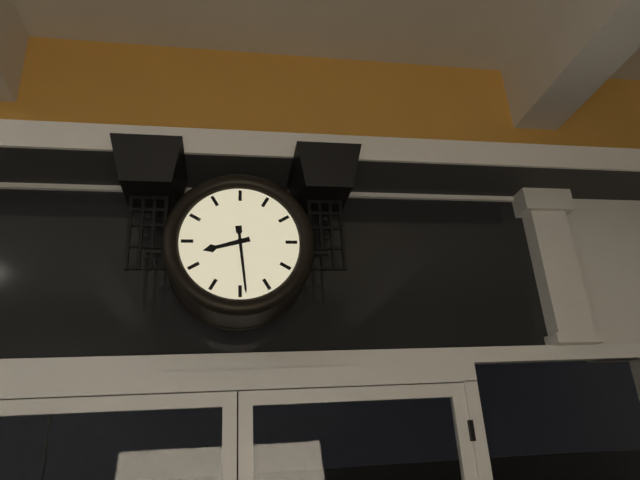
8:29
